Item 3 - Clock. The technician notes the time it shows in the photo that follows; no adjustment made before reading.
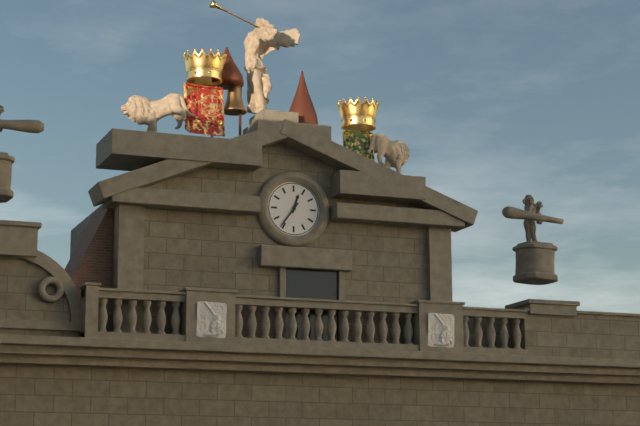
12:36
